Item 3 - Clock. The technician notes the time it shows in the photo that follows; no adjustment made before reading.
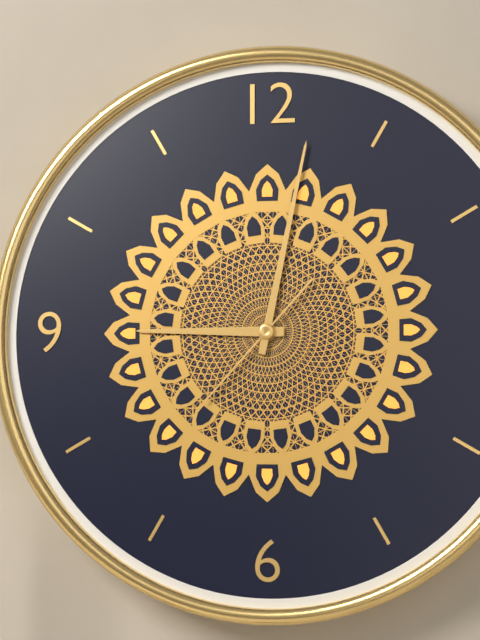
9:02:37
